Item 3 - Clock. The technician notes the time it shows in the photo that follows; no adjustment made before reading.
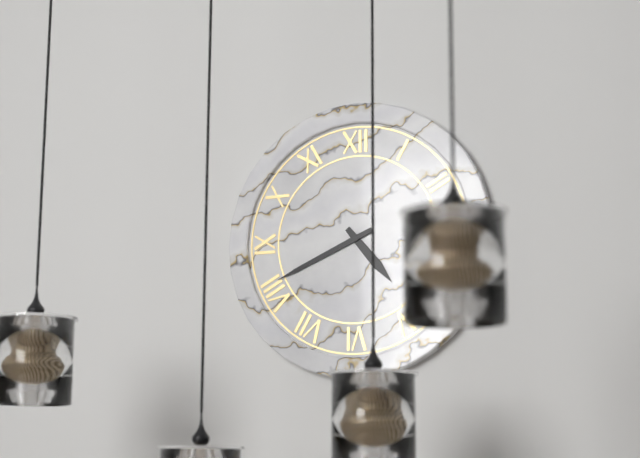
4:41
